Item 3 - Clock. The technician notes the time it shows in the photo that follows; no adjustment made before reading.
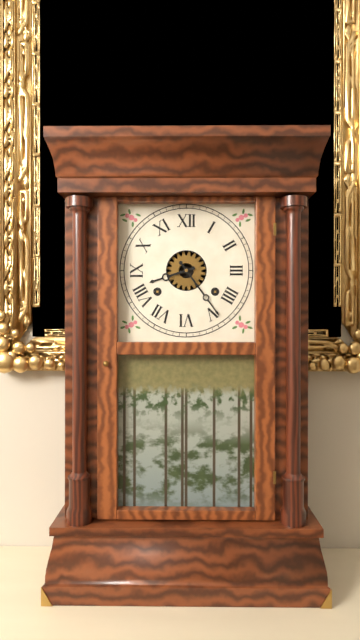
8:24
